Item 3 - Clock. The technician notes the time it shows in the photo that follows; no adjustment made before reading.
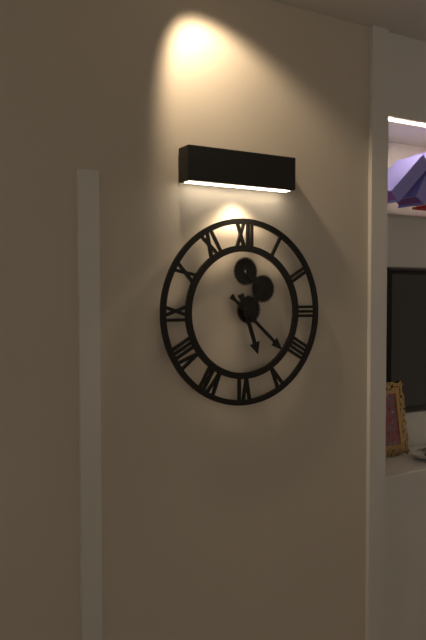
5:22
